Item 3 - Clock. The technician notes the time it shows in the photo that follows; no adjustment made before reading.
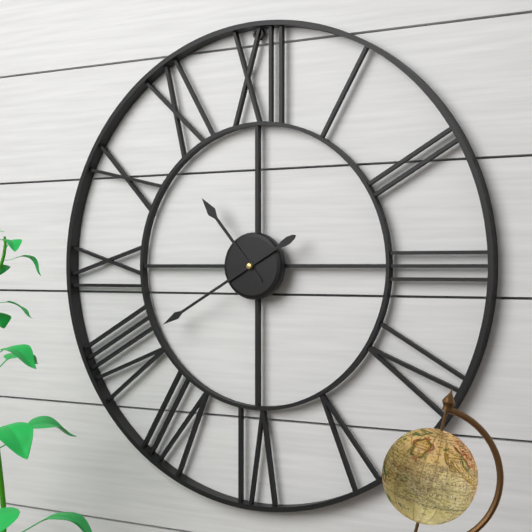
10:40
